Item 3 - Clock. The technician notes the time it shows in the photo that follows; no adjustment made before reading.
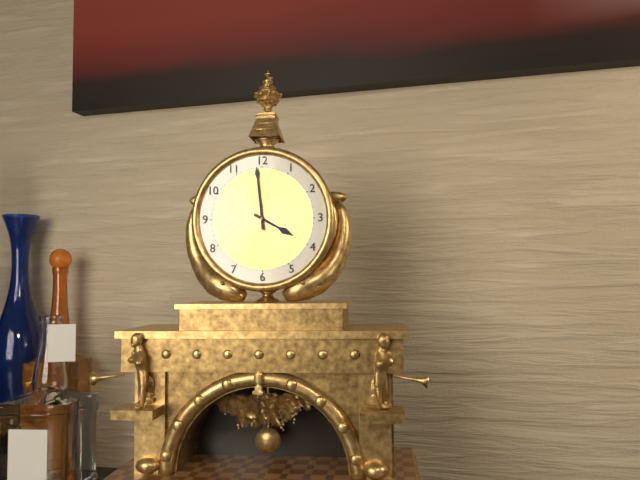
3:59
